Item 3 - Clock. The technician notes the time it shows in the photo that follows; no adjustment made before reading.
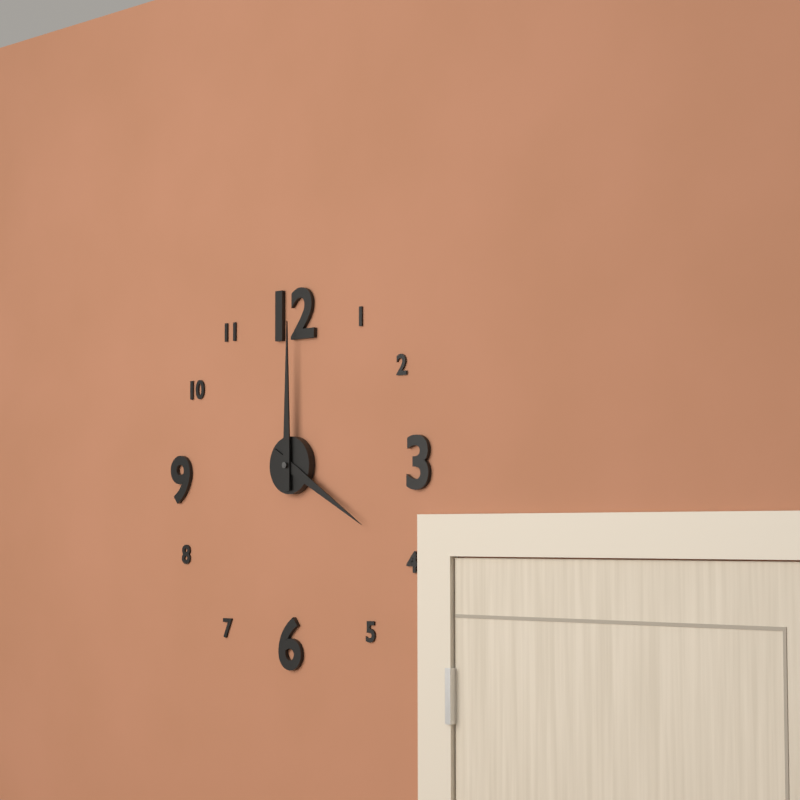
4:00
